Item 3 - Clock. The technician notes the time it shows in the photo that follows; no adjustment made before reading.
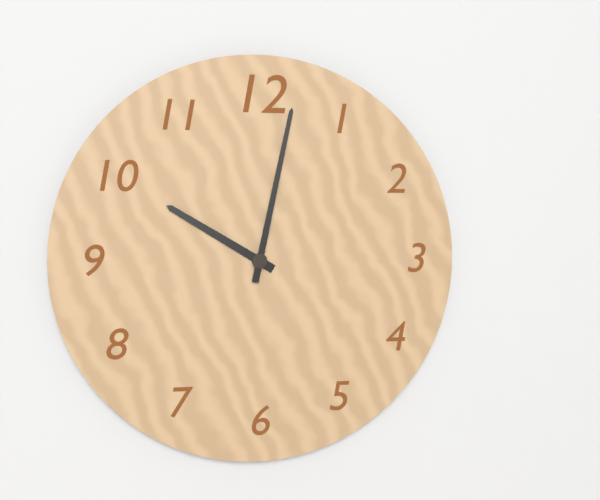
10:02
